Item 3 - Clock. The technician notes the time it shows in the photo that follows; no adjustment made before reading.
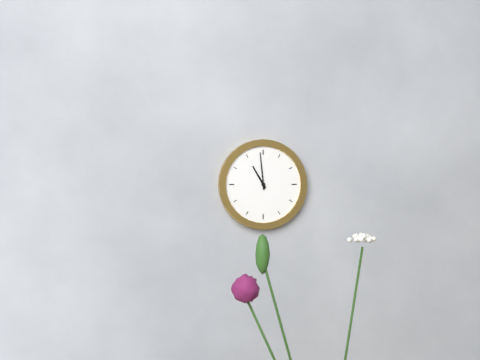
10:59
